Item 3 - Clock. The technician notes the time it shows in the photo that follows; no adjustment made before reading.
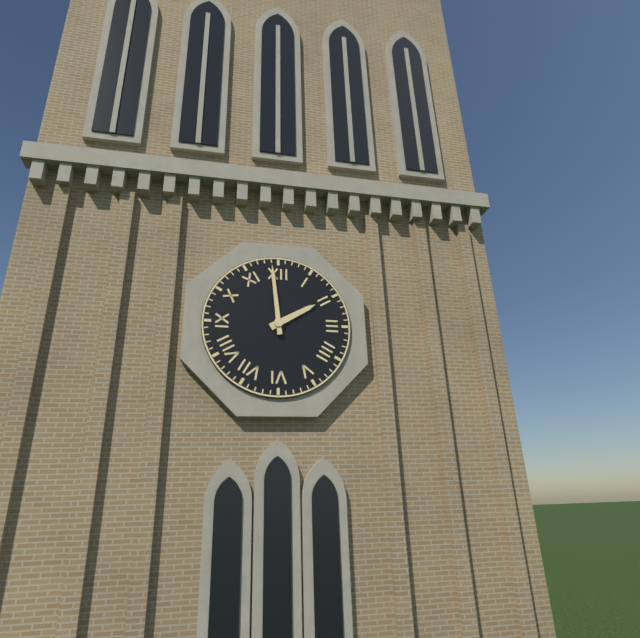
1:59
